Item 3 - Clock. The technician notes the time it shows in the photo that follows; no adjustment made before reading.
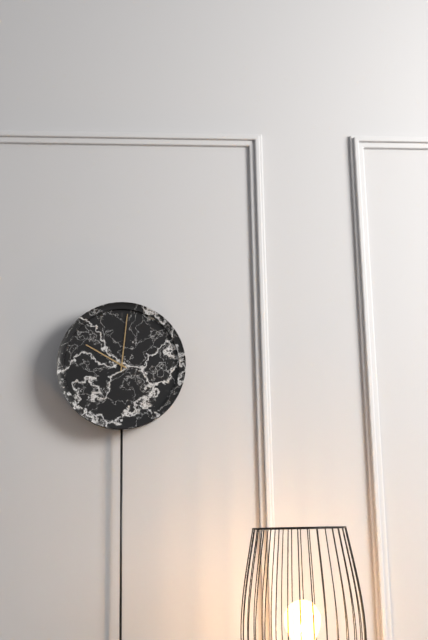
10:01
